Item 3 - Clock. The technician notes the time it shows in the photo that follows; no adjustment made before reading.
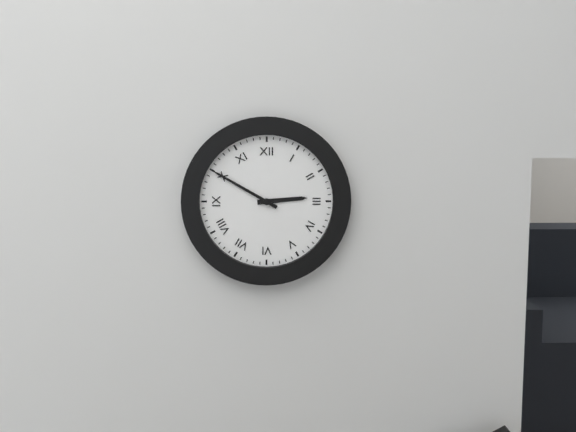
2:50
